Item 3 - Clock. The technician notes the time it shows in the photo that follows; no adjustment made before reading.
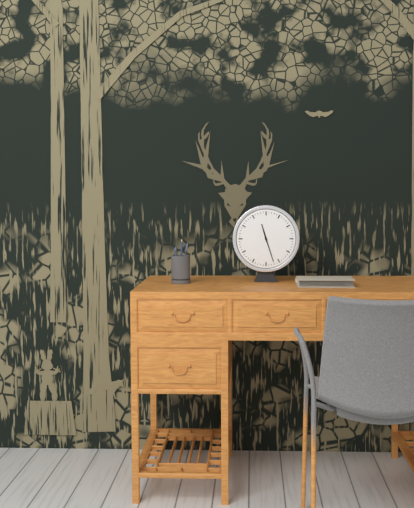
11:27
